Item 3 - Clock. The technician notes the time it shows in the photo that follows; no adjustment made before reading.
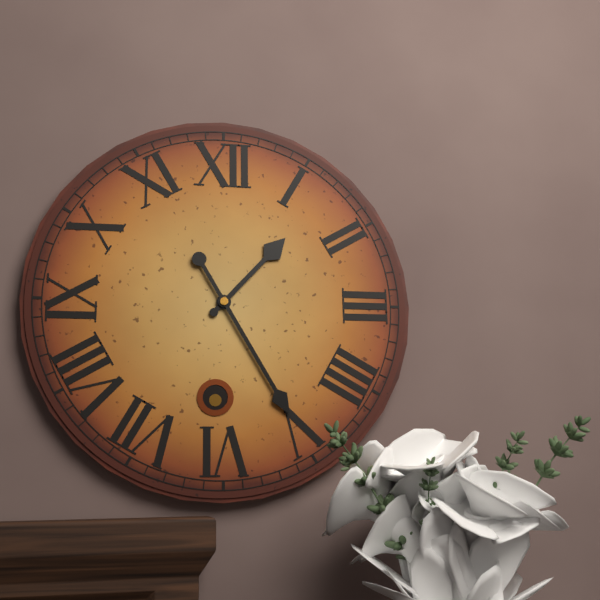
1:25
